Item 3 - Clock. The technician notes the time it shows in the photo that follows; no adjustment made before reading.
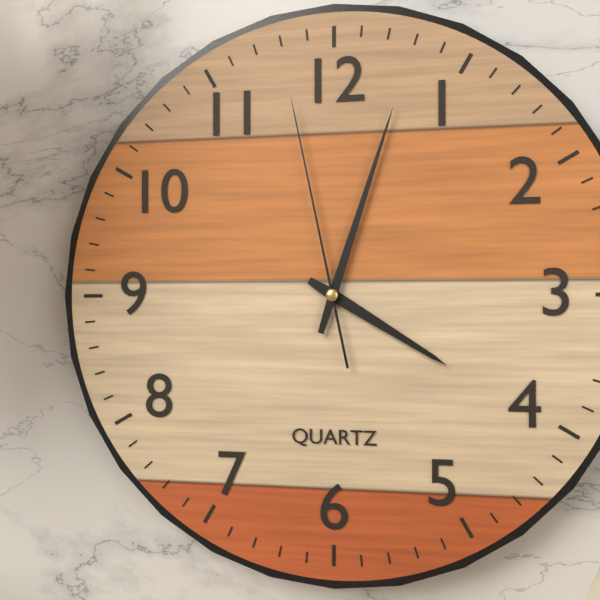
4:03:58
